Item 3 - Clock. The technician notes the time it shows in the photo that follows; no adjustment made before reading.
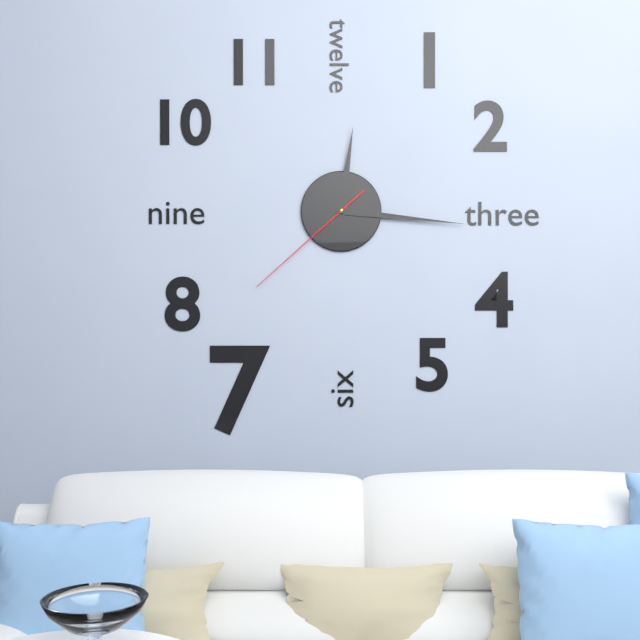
12:16:38
